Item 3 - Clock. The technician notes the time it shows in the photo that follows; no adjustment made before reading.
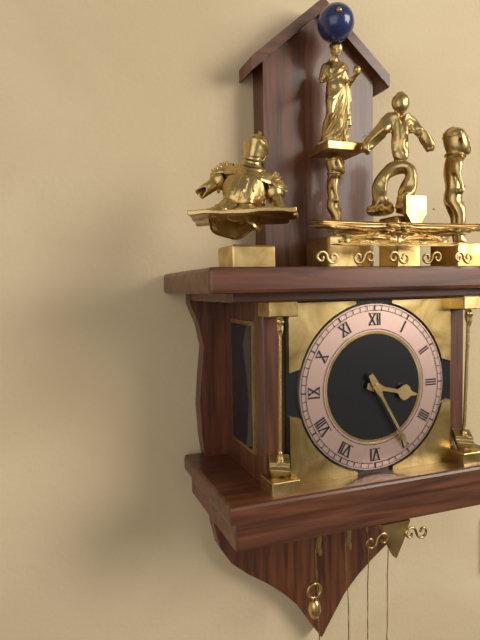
3:25
